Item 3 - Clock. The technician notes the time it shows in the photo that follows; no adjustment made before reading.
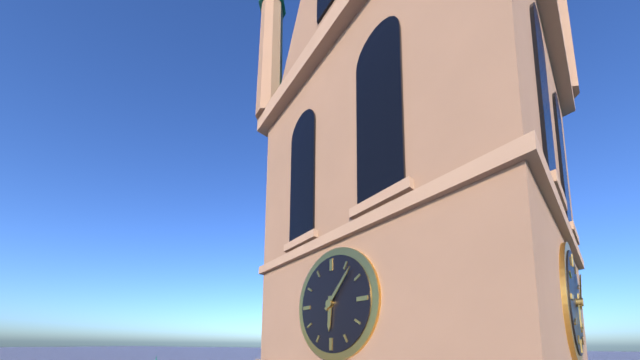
6:07
